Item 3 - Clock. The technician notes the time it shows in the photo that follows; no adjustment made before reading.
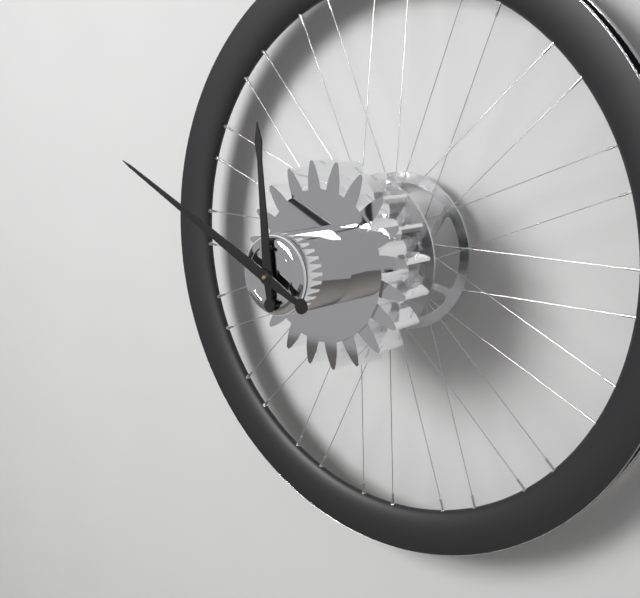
11:49
